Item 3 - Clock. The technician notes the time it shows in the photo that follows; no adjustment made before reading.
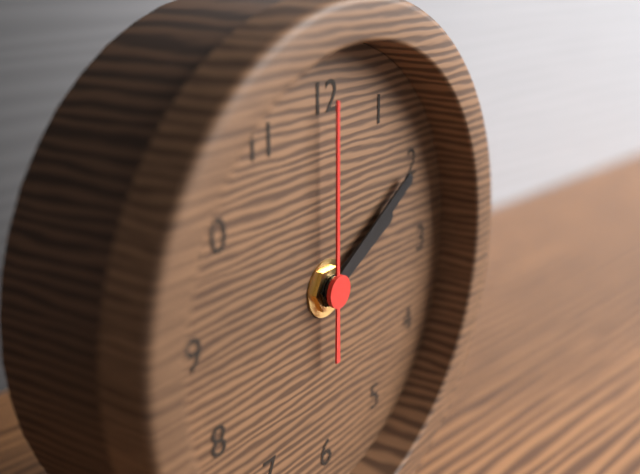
2:10:00
